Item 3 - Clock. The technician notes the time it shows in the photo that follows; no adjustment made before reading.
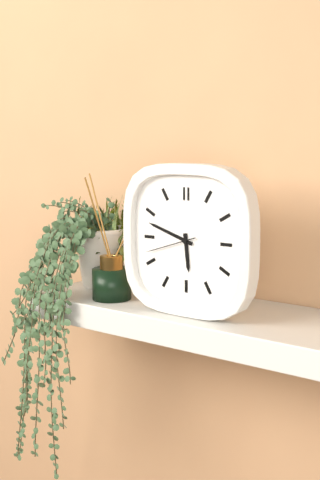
5:48:42
